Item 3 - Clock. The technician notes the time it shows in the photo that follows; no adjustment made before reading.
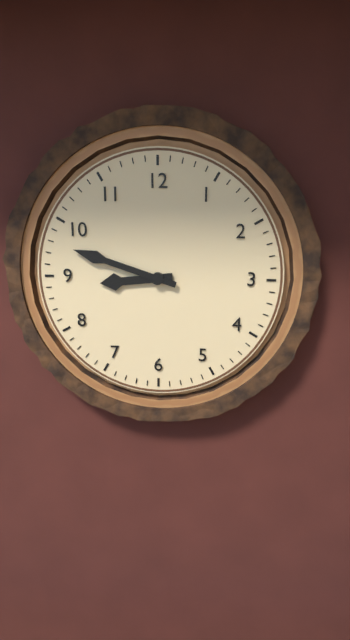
8:48
